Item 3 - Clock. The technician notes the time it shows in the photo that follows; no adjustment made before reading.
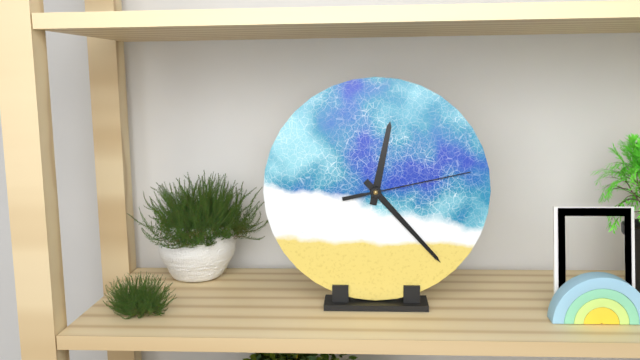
12:23:13
